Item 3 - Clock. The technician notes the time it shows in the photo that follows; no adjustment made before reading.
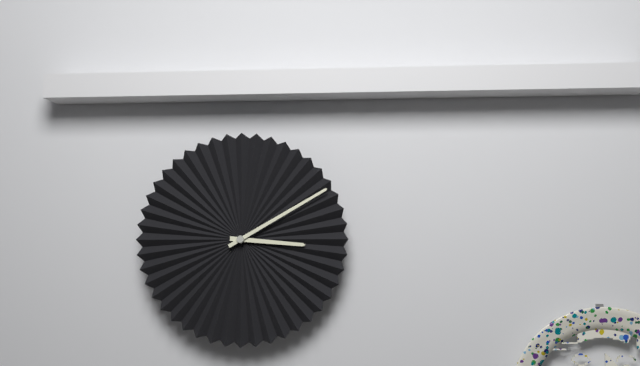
3:10
